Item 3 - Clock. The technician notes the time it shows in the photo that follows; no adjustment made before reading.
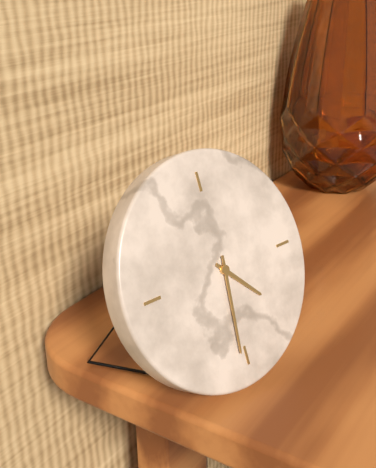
4:31
